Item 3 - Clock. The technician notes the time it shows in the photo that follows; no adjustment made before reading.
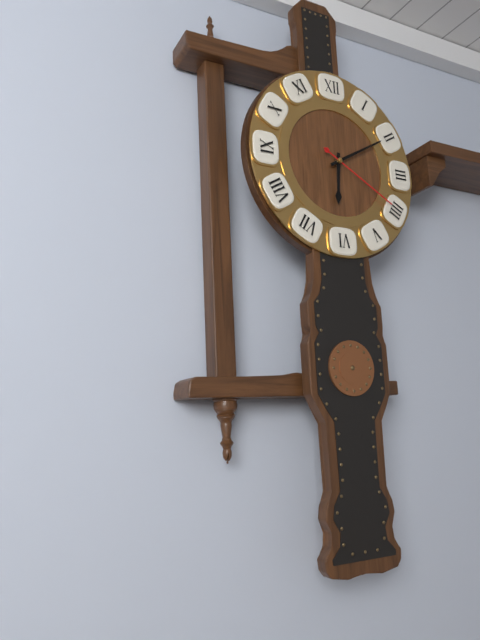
6:10:20
